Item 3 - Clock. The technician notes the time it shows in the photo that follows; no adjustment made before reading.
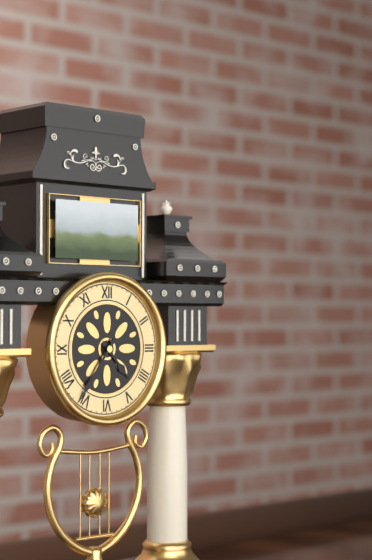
4:36
